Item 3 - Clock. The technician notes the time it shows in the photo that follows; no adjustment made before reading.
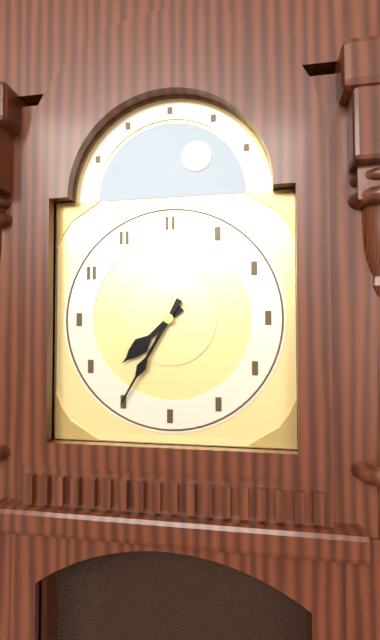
7:35
